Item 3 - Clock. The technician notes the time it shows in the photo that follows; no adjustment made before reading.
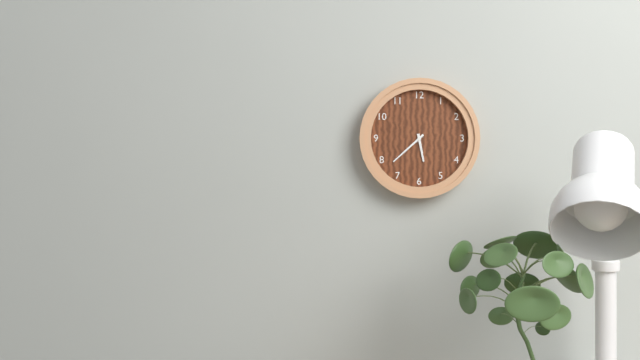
5:38
